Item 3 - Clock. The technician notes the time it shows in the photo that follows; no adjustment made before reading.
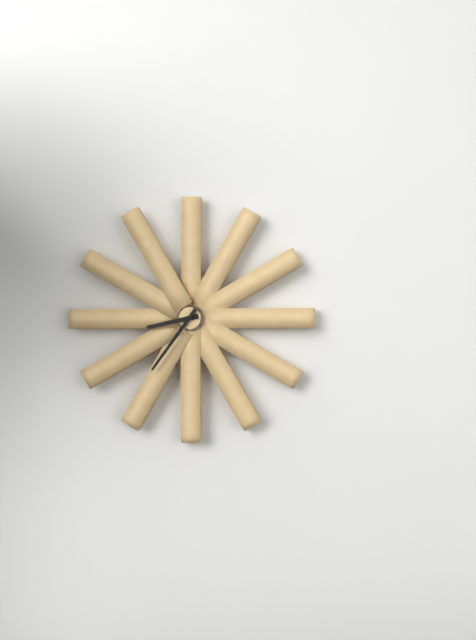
8:36
